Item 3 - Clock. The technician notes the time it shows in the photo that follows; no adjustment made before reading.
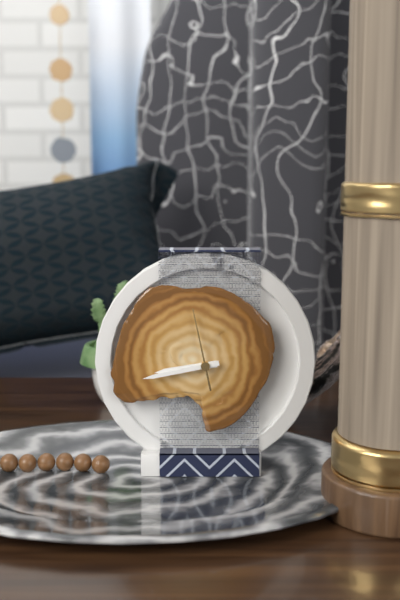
8:43:58
